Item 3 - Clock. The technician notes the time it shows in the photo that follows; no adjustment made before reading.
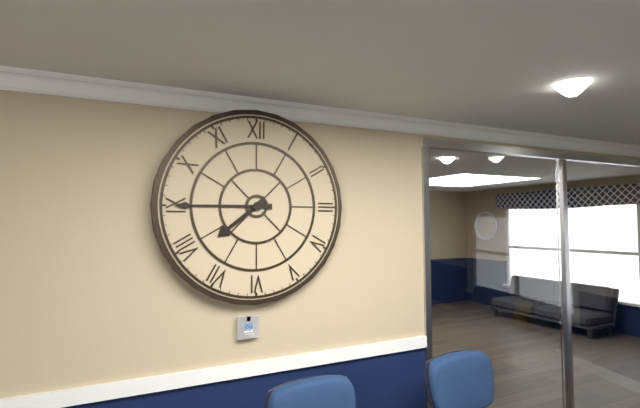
7:45
